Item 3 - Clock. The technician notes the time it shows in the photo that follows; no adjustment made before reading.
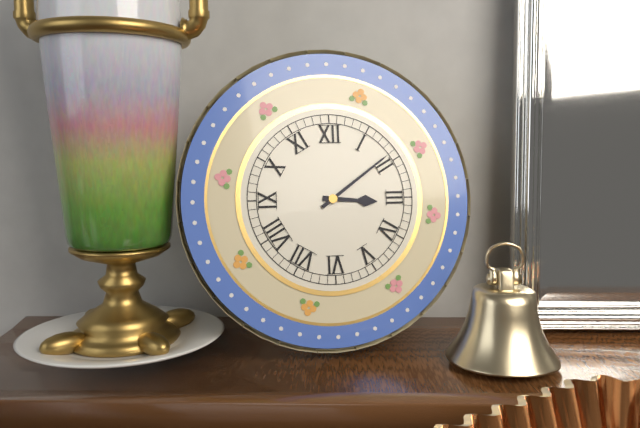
3:09
